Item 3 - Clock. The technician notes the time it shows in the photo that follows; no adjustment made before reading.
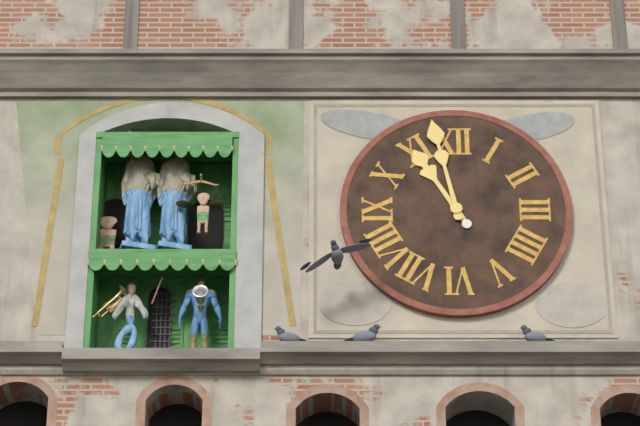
10:58
